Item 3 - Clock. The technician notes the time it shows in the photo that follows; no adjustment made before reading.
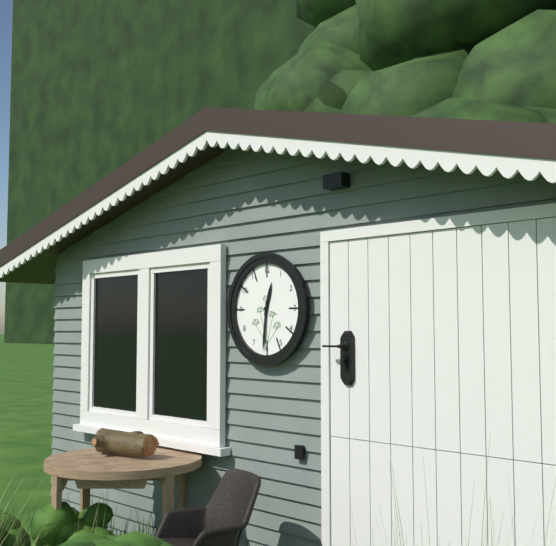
12:31
